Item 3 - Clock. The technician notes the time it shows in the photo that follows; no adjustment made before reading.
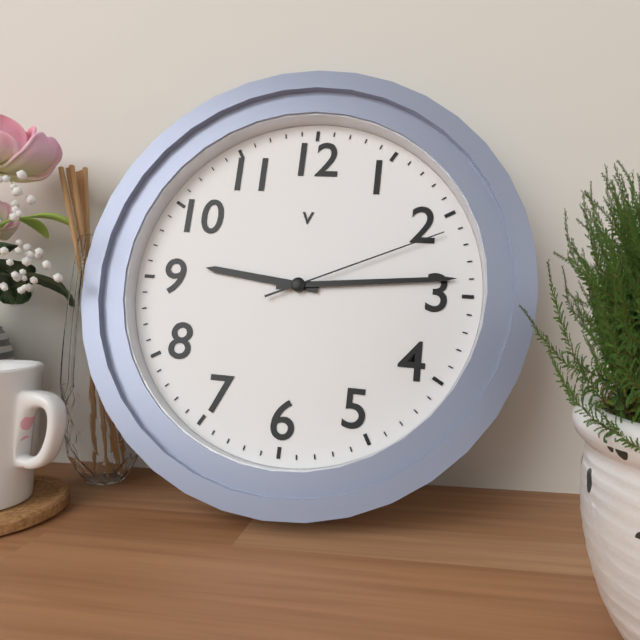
9:14:11
